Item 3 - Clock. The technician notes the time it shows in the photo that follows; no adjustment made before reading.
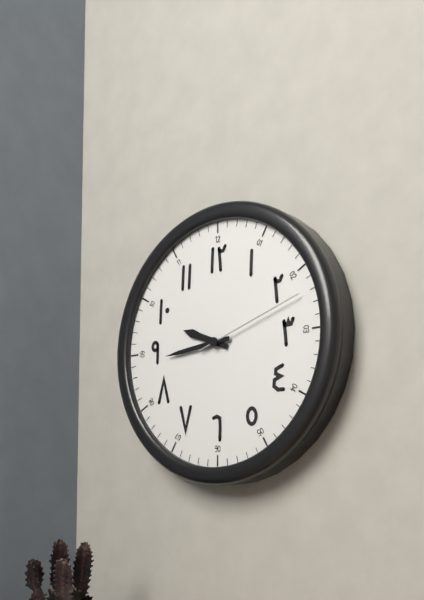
9:44:12
